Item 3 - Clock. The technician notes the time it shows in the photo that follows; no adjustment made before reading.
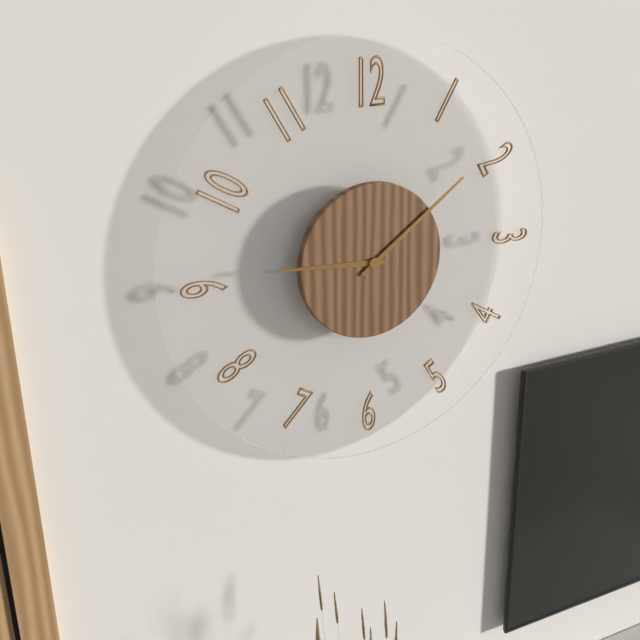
9:09
